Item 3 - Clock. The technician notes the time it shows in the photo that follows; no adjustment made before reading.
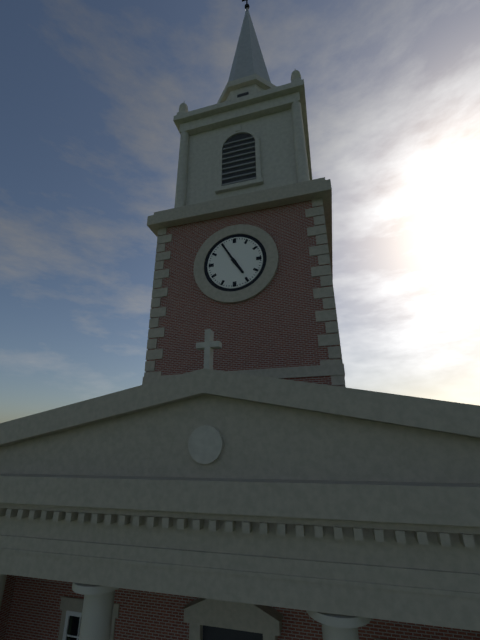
4:55
